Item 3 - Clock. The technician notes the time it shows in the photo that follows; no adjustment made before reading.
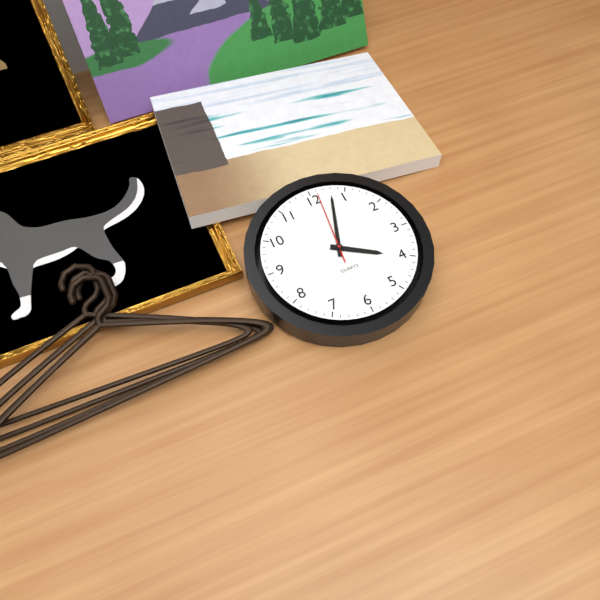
4:03:01
